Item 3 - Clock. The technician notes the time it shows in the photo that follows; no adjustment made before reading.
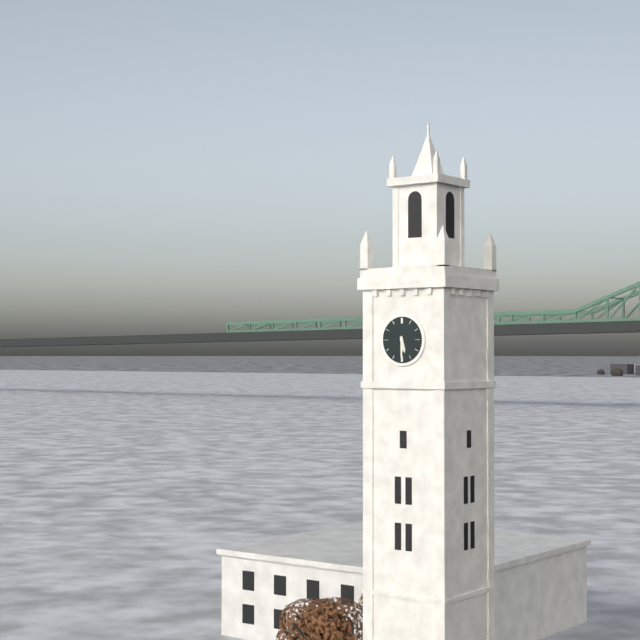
5:30
